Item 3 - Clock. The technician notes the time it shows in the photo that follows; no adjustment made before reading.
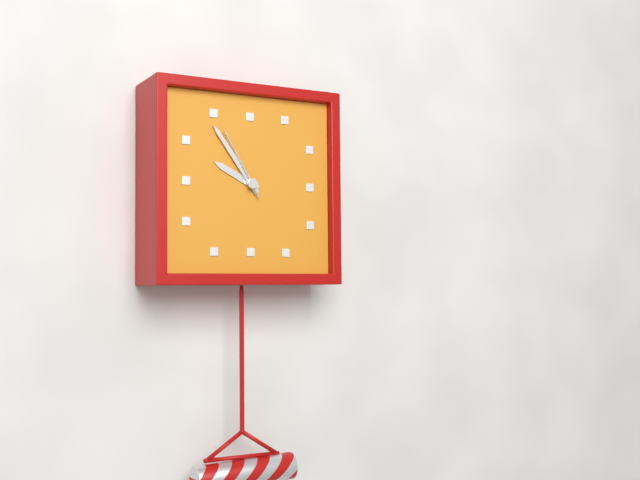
9:54:55
